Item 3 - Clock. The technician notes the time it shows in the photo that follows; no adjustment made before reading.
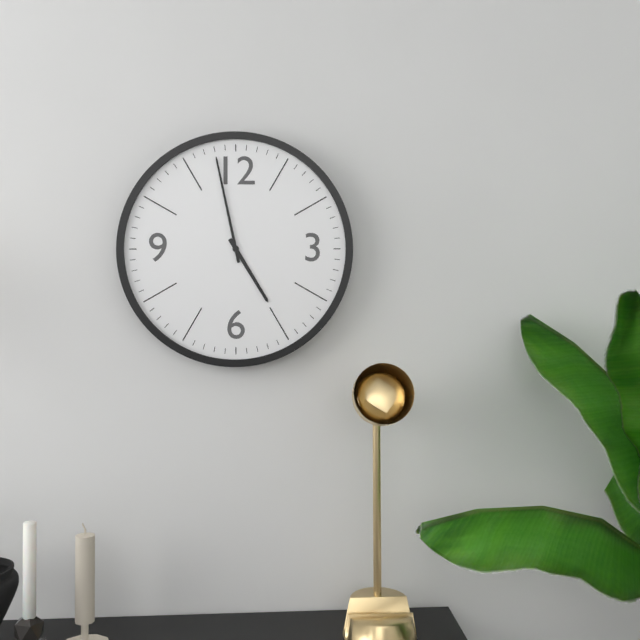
4:58
